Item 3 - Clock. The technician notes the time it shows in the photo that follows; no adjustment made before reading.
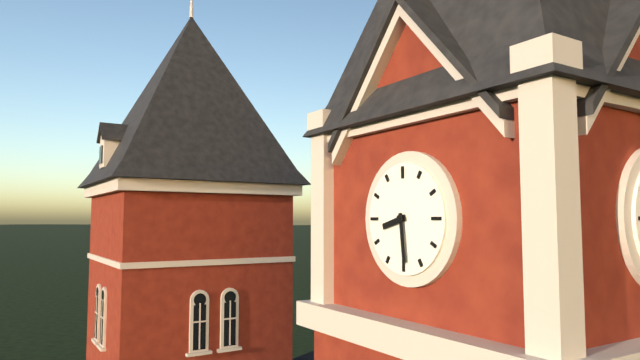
8:29
